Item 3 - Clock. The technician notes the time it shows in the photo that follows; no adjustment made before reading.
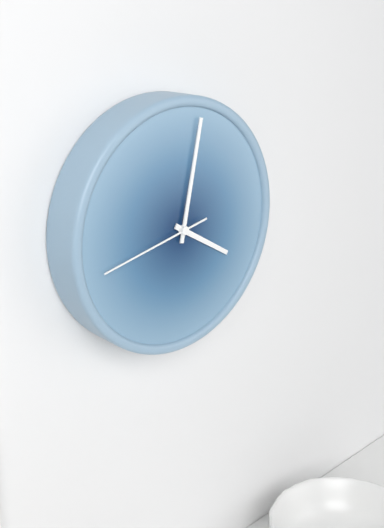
4:02:43
